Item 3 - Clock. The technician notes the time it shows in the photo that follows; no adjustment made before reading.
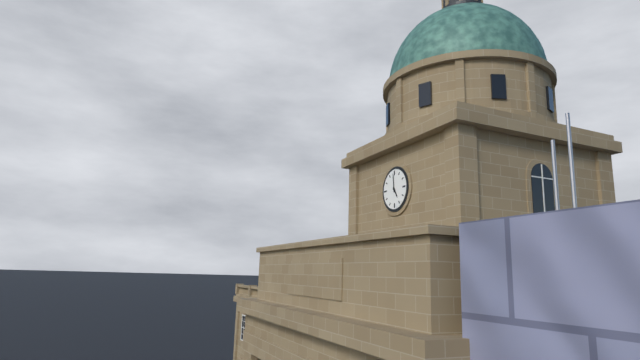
4:59
